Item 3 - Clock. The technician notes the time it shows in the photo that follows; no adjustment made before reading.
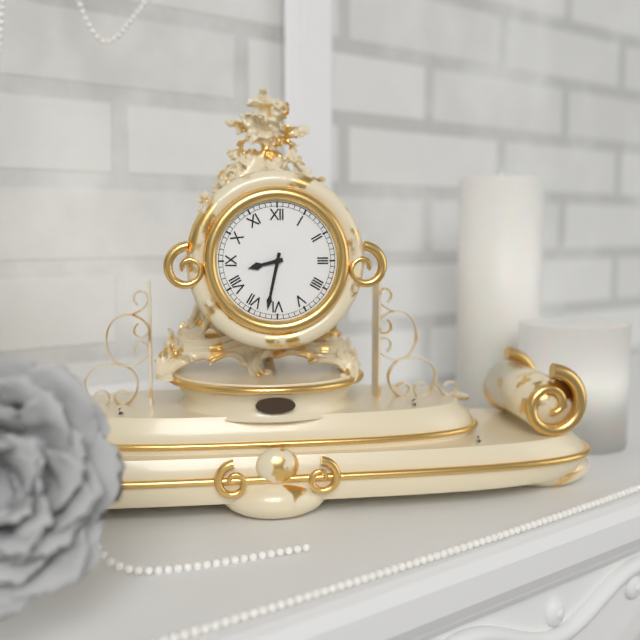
8:32
